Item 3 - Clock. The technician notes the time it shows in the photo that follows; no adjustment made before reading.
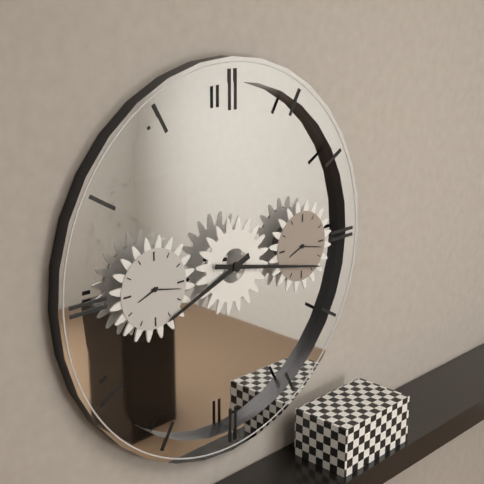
8:17
